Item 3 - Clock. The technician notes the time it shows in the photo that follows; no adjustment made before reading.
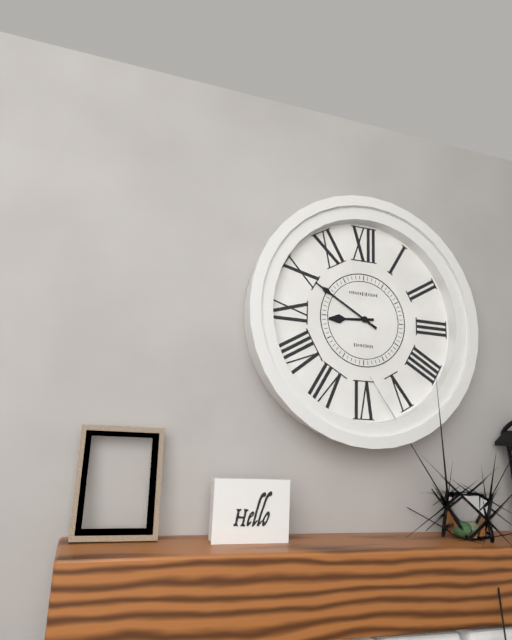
8:50
